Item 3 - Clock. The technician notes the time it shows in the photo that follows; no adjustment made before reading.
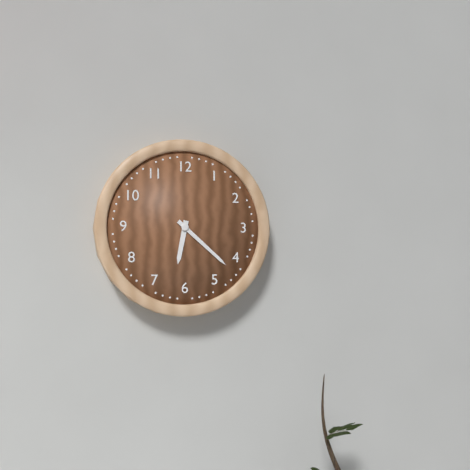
6:22
